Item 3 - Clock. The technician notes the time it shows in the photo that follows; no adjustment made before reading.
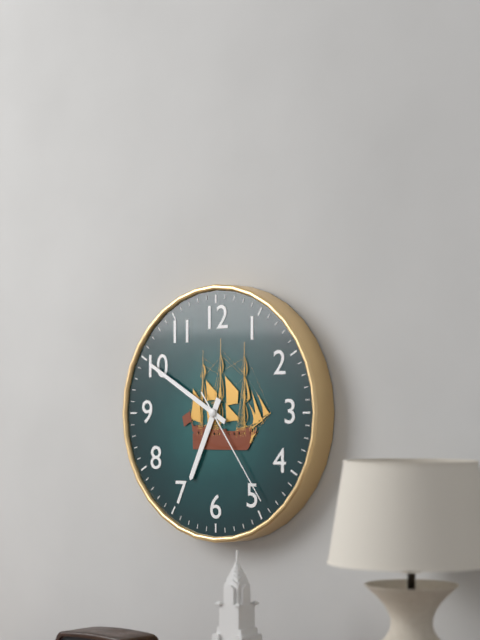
6:50:24
